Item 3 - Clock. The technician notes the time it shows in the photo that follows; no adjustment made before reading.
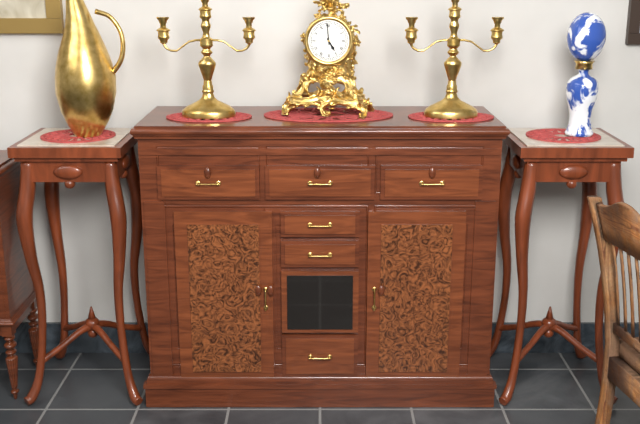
4:59
